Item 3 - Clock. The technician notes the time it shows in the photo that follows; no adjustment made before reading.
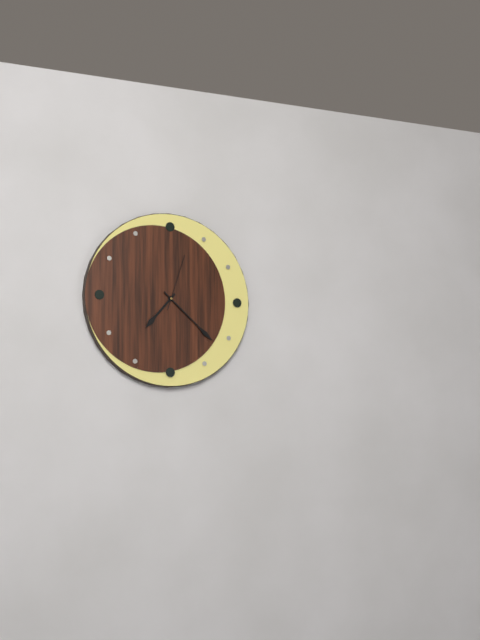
7:22:03
